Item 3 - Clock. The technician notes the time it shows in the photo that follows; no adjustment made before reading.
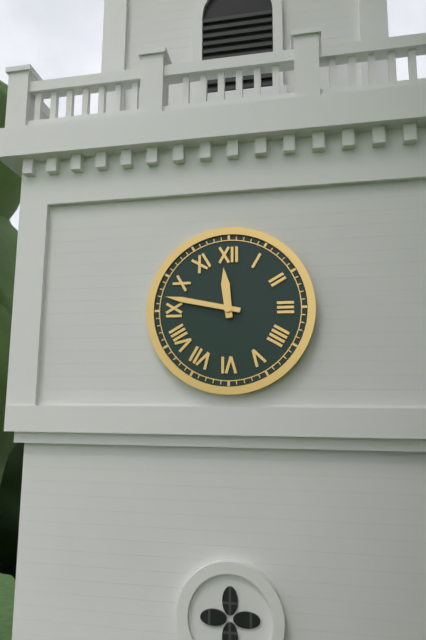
11:47
